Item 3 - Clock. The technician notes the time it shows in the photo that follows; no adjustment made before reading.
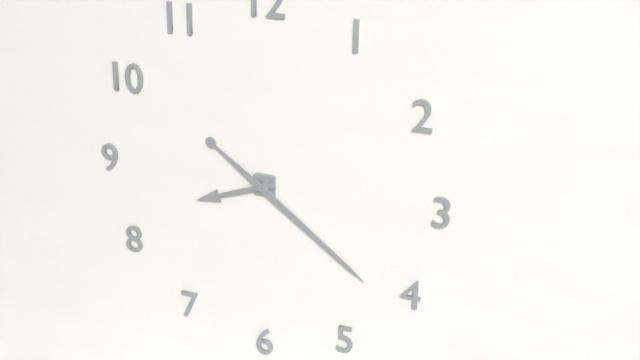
8:21
